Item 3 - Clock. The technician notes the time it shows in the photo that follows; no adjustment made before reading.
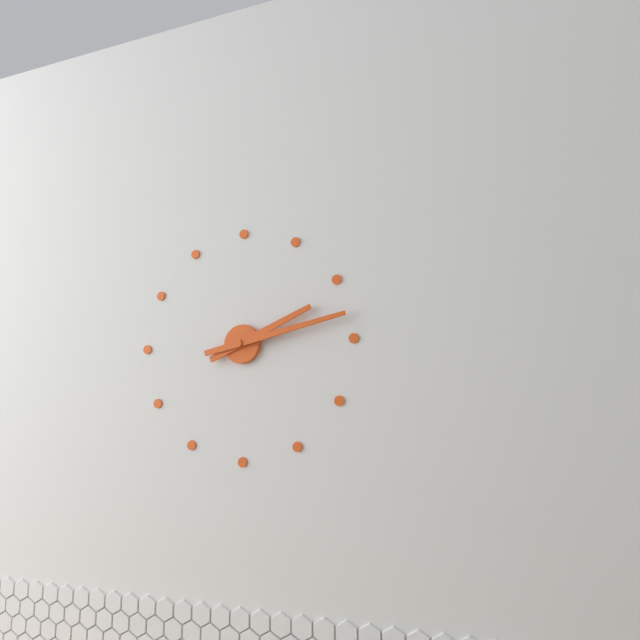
2:13
